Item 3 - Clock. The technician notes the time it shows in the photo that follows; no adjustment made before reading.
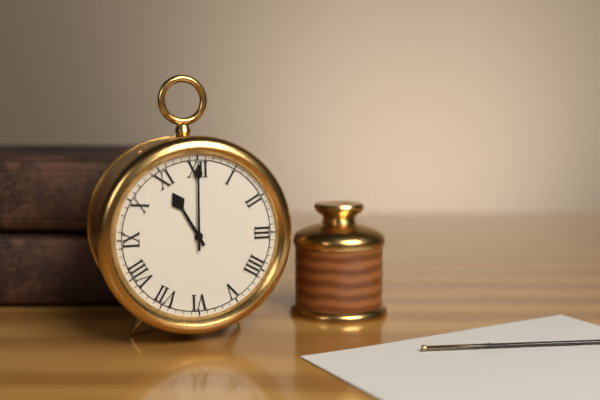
11:00
